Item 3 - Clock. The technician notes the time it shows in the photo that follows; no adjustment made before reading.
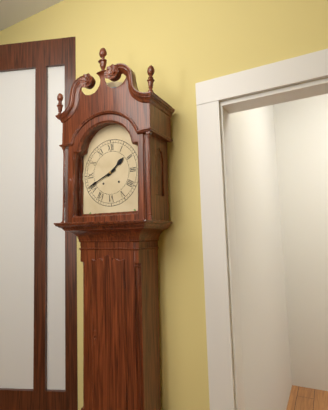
1:41
